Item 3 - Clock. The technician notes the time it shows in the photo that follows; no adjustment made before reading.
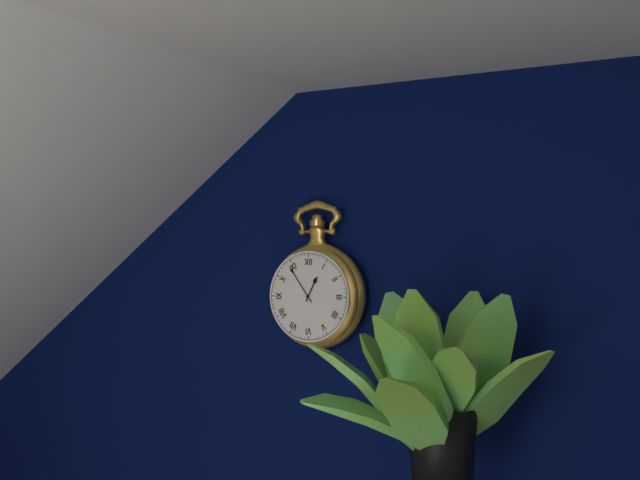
12:54
